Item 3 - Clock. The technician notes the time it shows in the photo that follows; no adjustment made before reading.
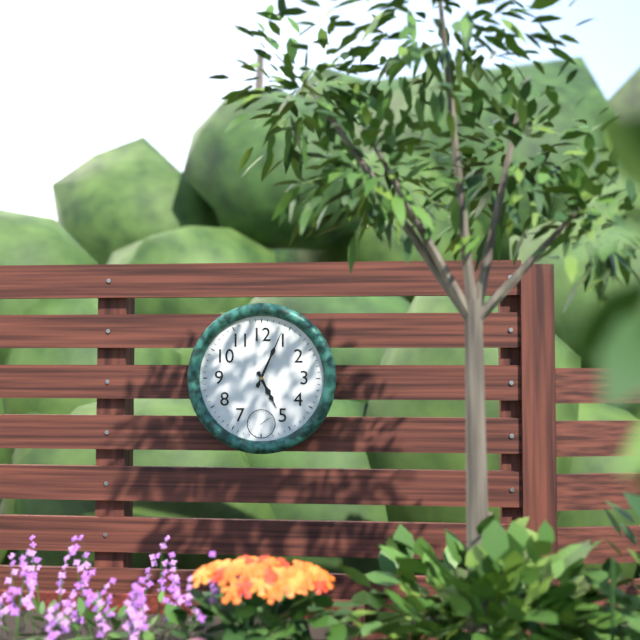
5:04
